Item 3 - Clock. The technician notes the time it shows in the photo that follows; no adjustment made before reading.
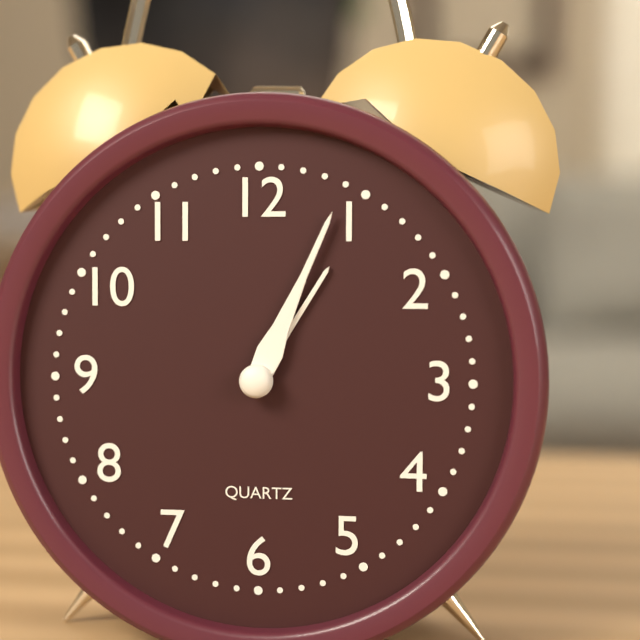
1:04
